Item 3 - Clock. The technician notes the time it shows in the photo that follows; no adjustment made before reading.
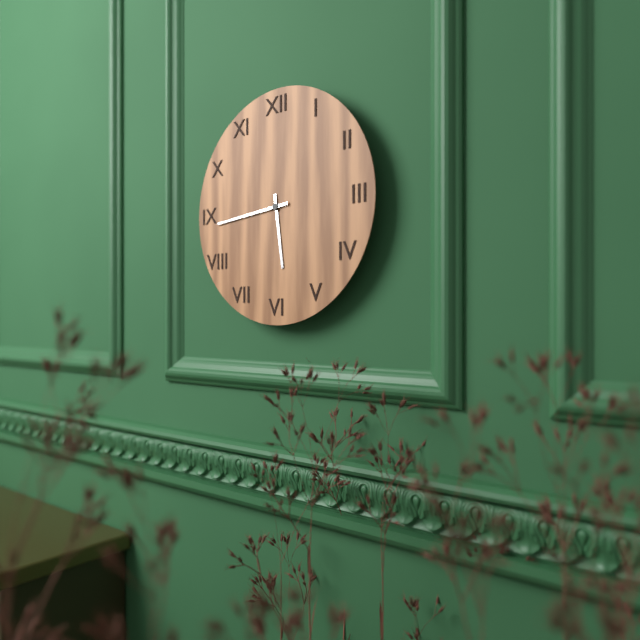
5:44
